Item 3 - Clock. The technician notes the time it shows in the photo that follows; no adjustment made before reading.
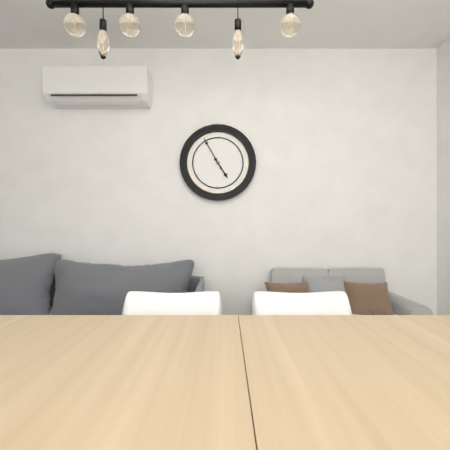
4:55
